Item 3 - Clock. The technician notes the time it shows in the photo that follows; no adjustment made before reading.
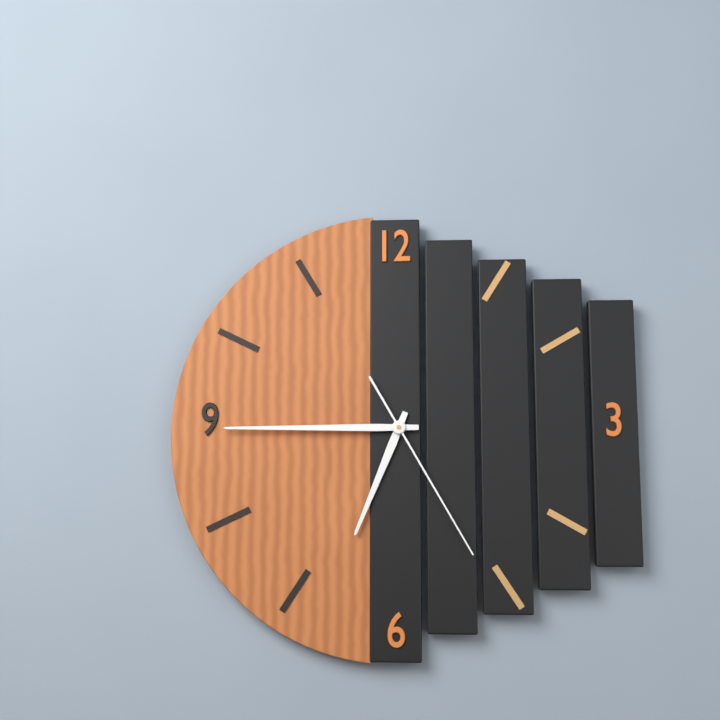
6:45:25
